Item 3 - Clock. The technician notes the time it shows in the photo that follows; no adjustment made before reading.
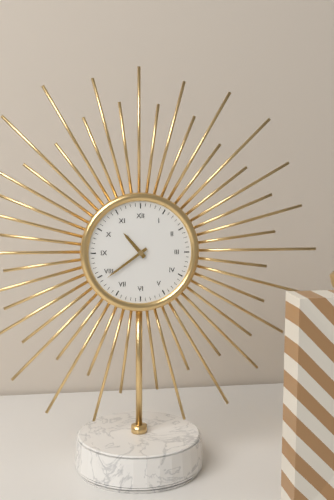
10:39
